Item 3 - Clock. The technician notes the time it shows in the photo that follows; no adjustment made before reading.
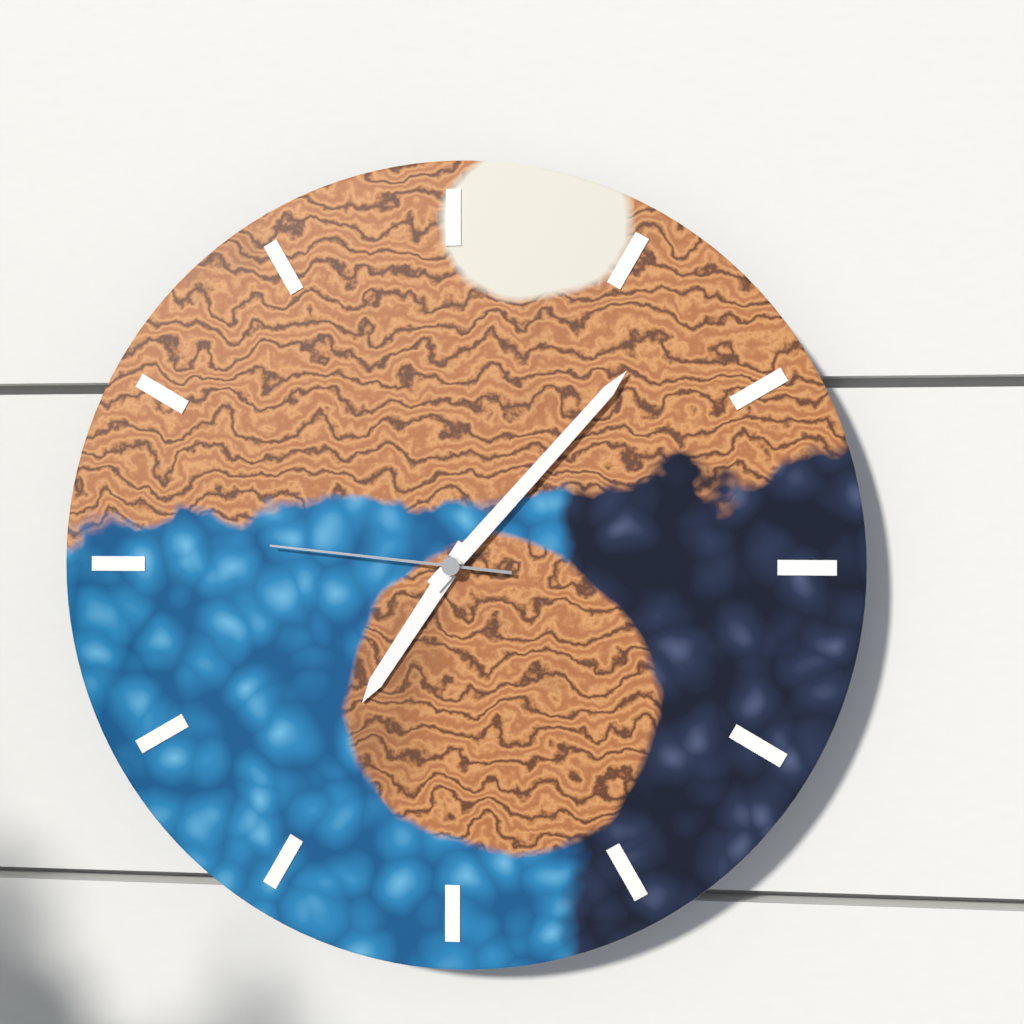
7:07:46
